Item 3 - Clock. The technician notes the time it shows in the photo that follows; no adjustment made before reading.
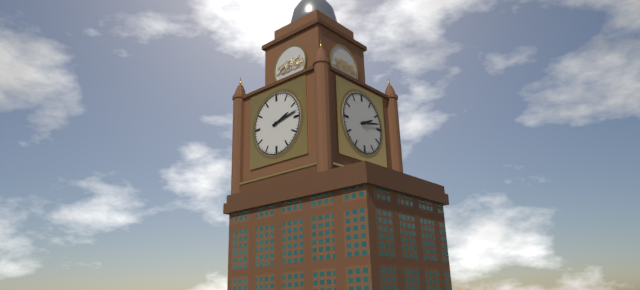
2:13
